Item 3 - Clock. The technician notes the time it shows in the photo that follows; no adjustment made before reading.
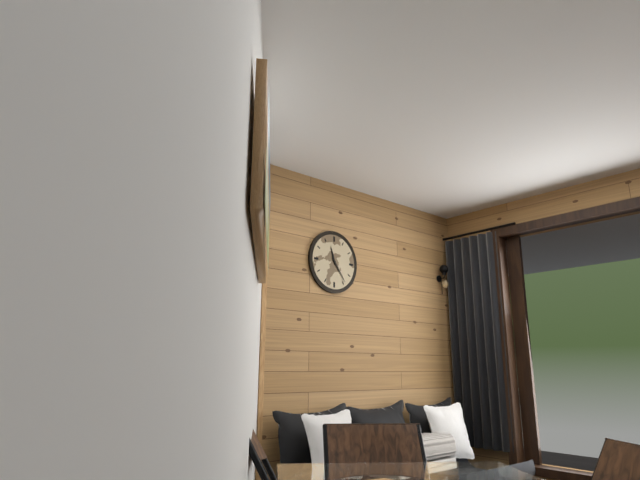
11:24
